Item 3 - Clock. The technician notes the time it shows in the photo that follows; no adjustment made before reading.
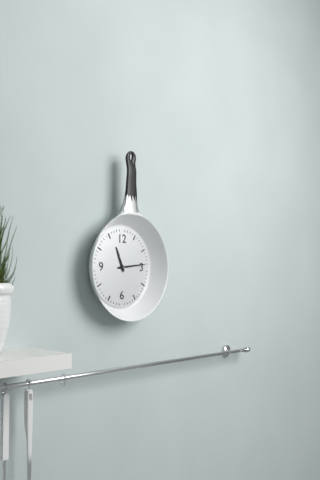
11:14
